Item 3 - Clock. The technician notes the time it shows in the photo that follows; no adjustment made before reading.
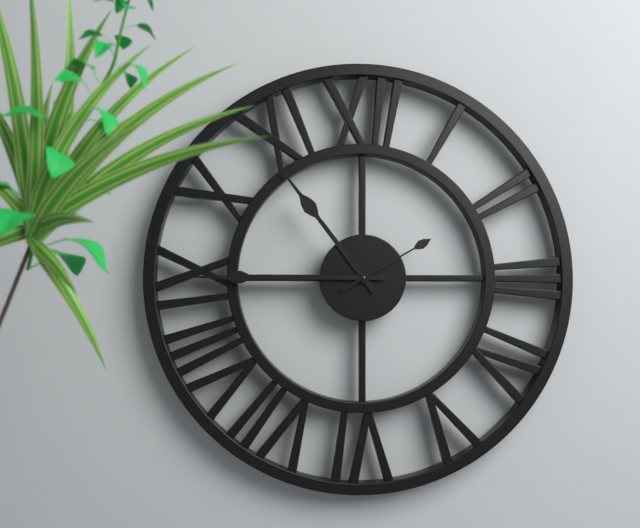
10:45:10
